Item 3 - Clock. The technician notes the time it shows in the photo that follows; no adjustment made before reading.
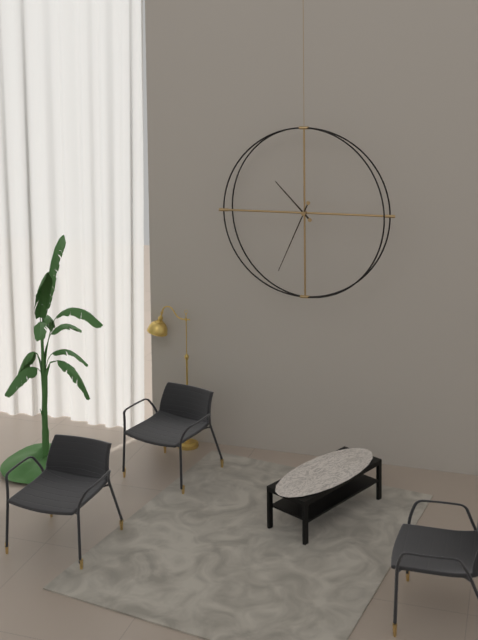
10:34
